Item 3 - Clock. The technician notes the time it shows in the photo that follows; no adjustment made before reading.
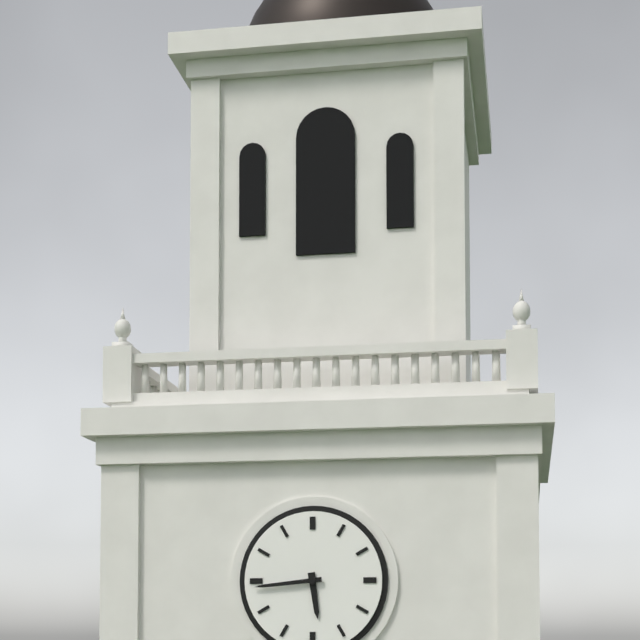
5:44
